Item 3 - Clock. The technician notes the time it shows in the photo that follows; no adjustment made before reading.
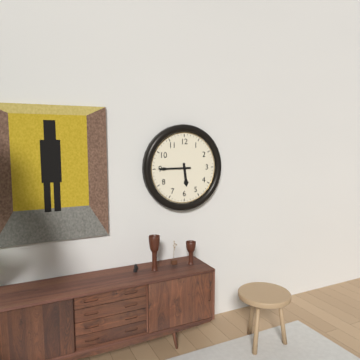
5:45
